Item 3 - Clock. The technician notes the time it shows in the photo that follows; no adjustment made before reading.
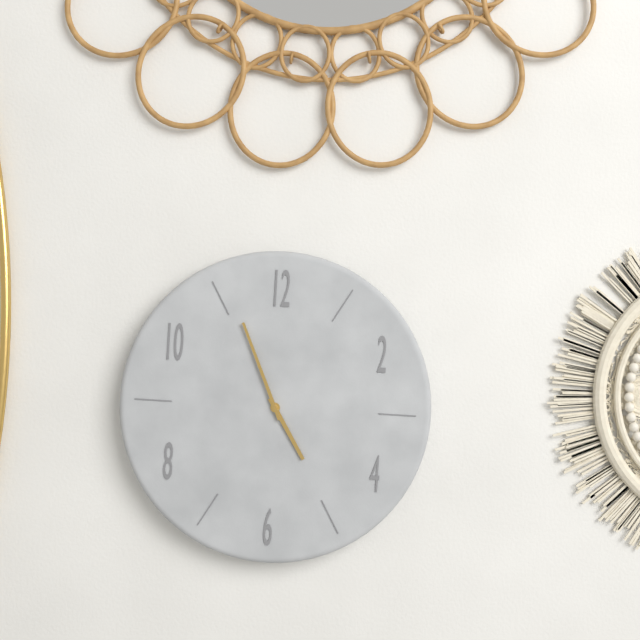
4:56
